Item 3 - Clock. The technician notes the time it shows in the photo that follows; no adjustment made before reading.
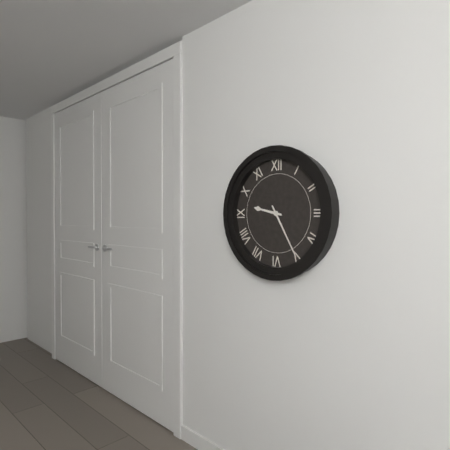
9:25
